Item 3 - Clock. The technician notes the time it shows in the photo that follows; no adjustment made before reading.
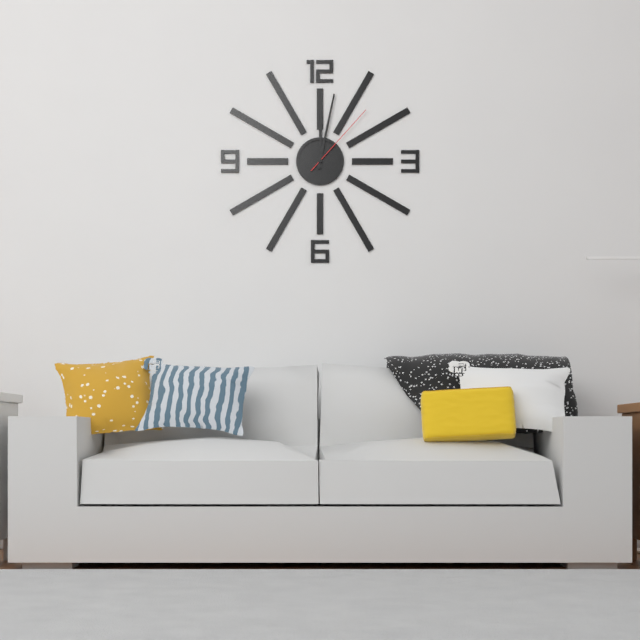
12:02:07
